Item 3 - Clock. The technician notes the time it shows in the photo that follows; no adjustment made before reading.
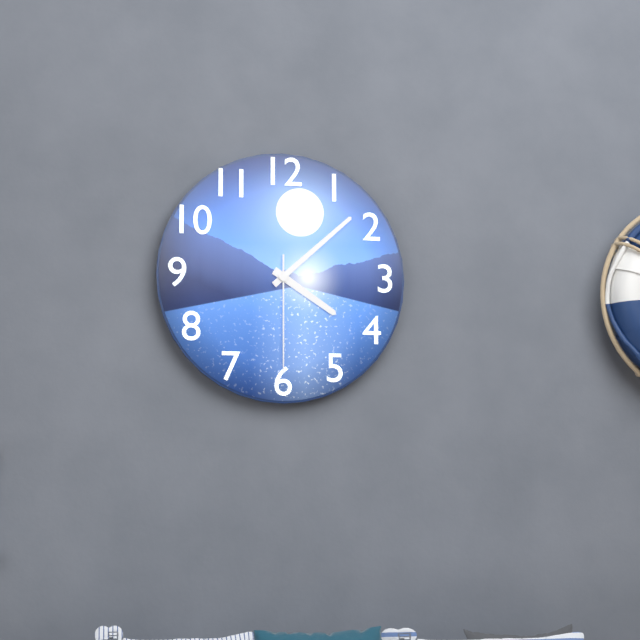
4:08:30
